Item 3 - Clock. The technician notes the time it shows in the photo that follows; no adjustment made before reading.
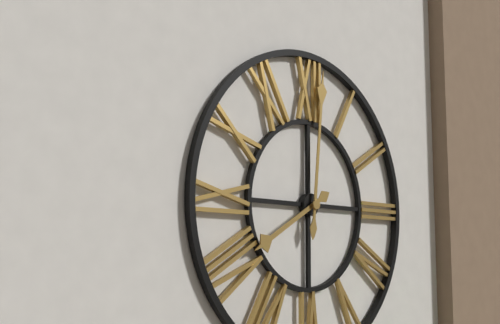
8:01
